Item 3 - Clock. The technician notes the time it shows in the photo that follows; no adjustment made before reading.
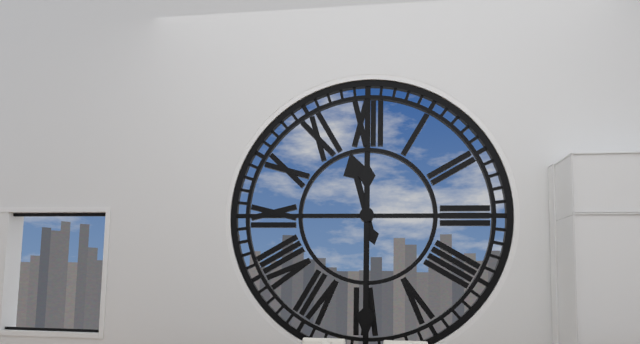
11:30
